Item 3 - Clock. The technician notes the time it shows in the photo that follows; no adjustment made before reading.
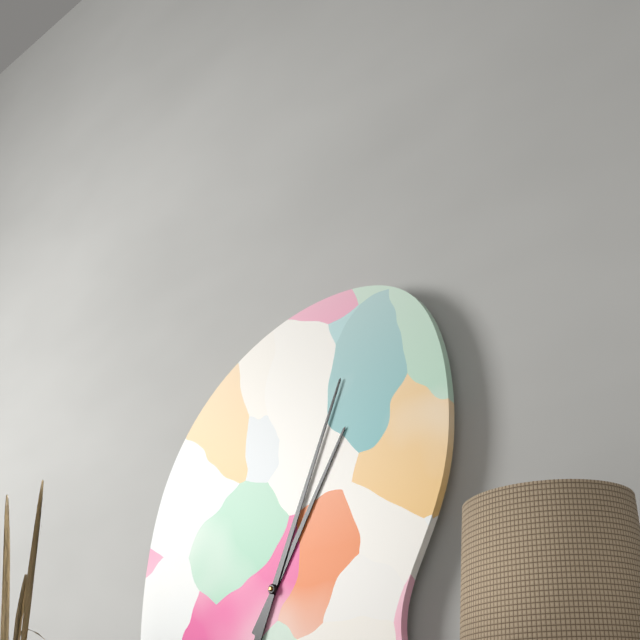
1:04
